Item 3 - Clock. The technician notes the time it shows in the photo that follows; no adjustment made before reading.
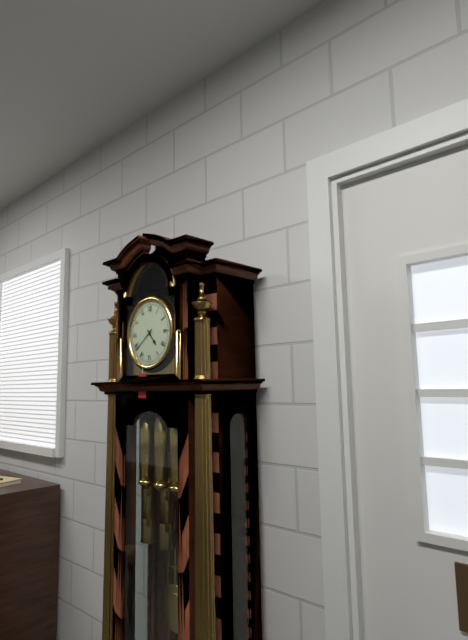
4:39
